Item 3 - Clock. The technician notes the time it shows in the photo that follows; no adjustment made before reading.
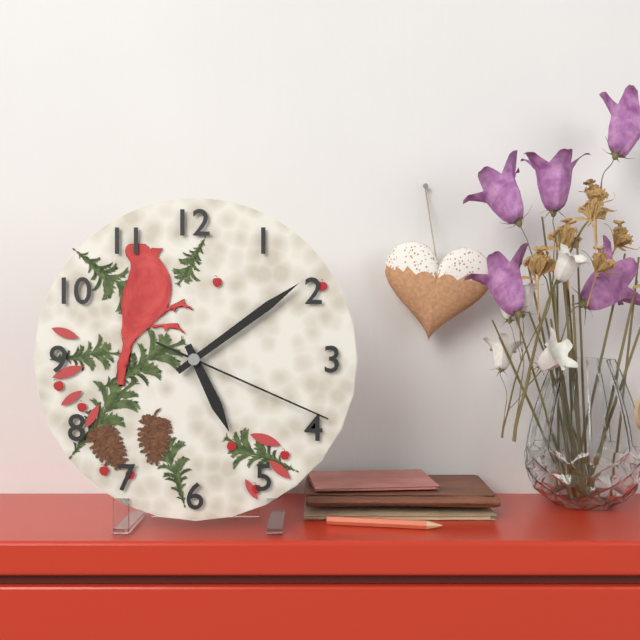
5:09:19
